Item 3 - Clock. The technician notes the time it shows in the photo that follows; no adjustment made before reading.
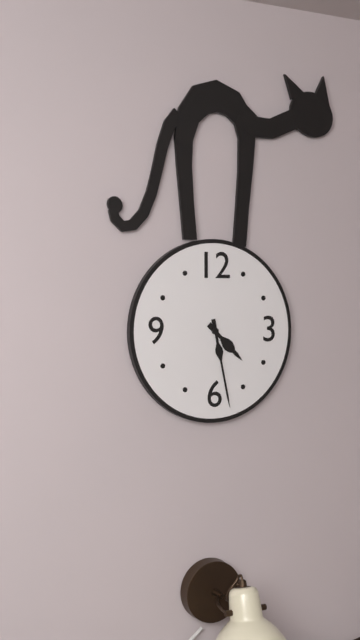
4:28
